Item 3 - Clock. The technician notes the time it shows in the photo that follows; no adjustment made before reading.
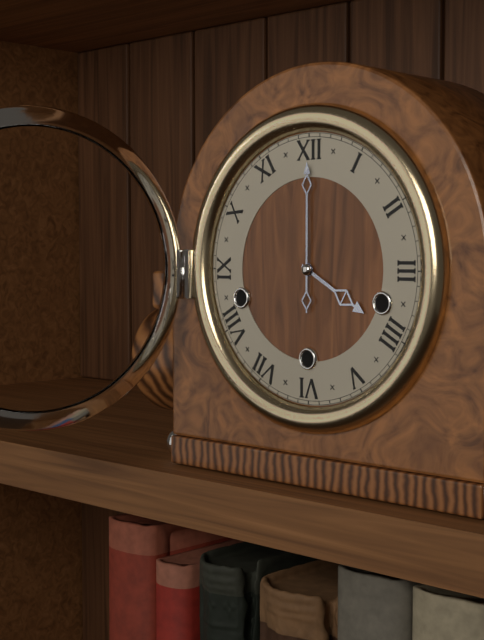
4:00
